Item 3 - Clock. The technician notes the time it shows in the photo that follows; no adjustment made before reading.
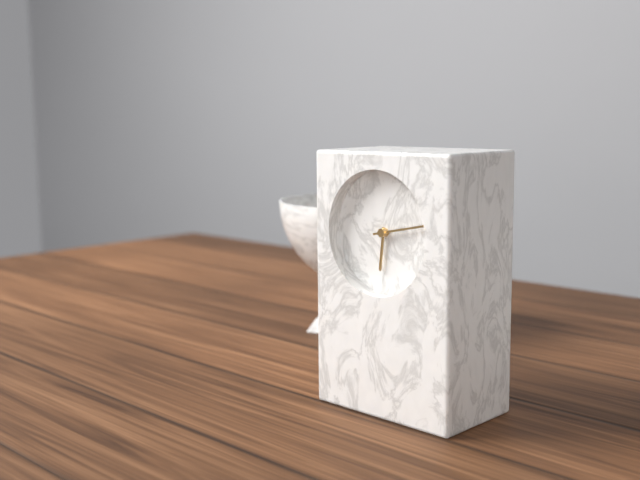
6:13
